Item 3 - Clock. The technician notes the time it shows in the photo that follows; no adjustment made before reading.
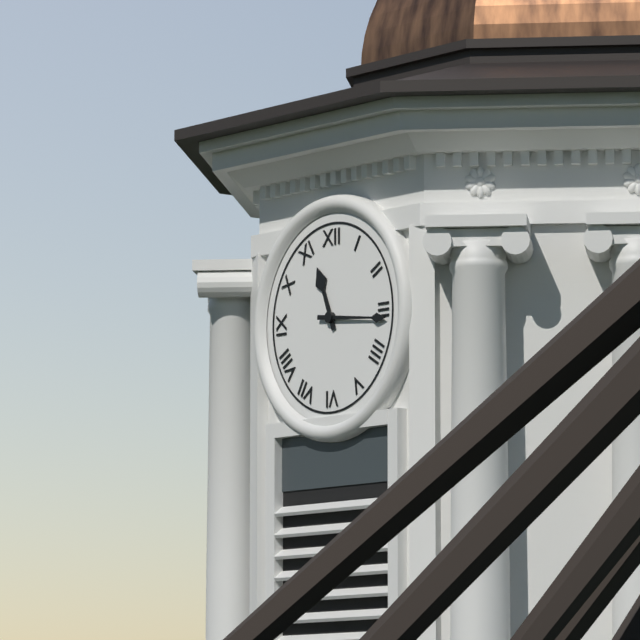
11:16
